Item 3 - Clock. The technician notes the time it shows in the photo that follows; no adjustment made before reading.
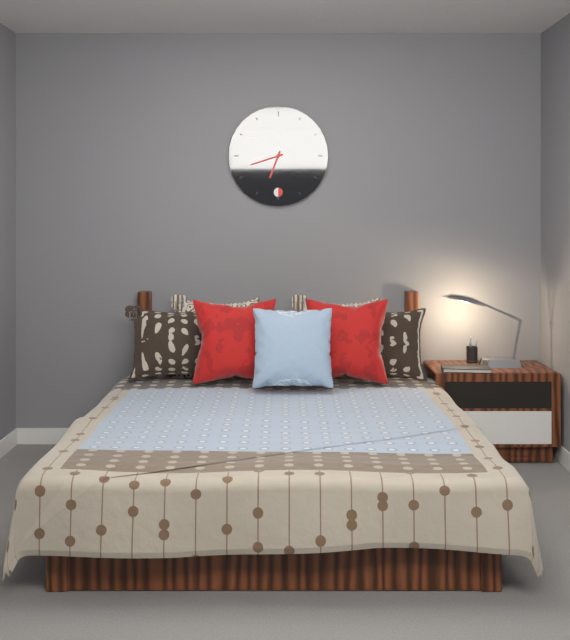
6:42
